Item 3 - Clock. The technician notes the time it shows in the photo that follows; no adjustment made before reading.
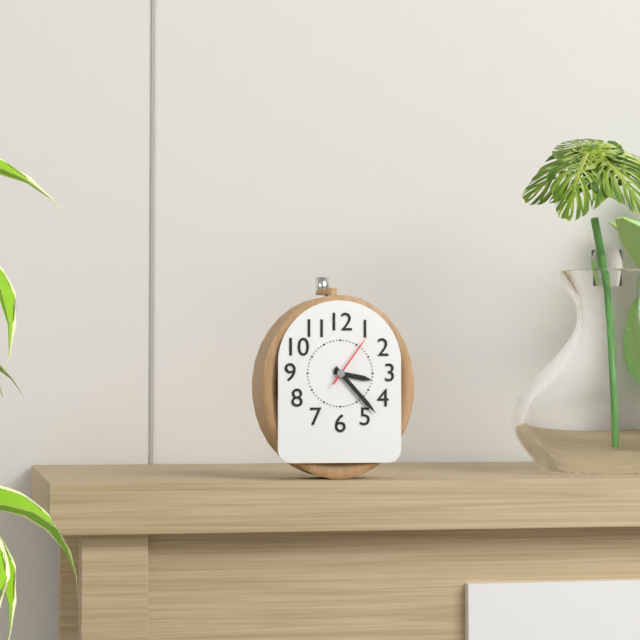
3:23:06
